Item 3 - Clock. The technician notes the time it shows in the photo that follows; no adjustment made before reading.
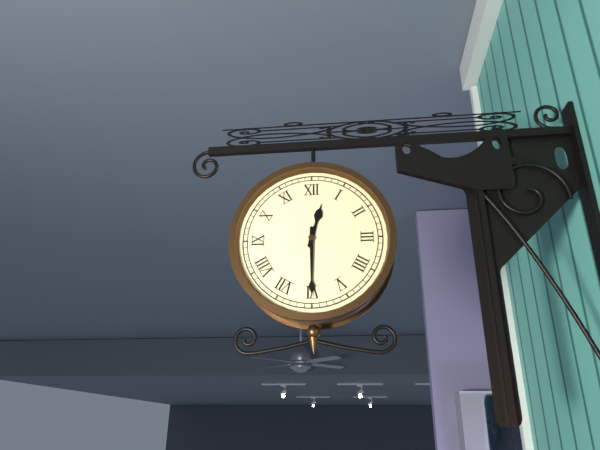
12:30
